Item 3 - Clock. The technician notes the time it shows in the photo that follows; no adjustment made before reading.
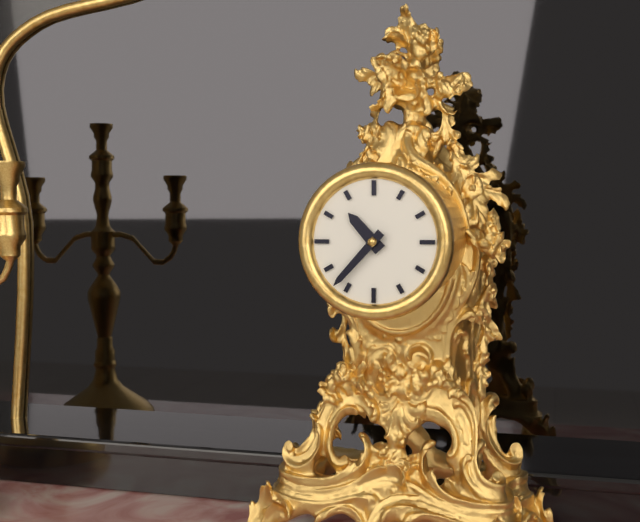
10:37
